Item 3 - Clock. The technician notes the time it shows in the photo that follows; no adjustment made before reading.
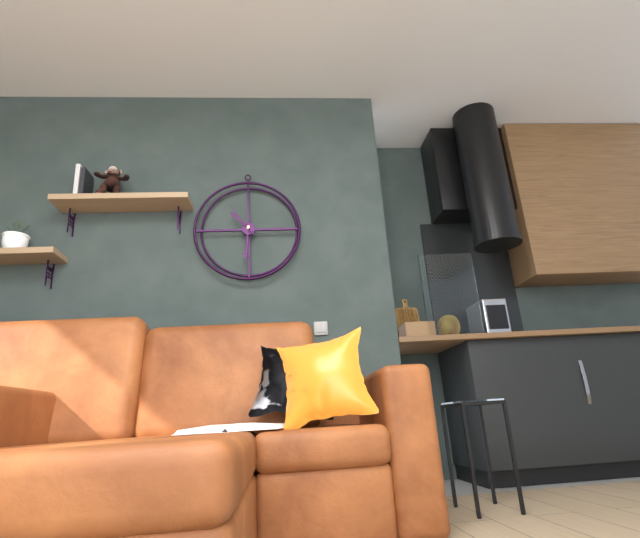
10:31
